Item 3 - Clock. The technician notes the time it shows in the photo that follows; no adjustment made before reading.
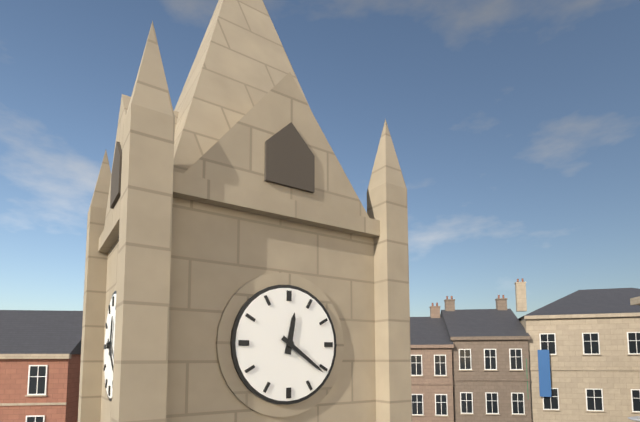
12:21
